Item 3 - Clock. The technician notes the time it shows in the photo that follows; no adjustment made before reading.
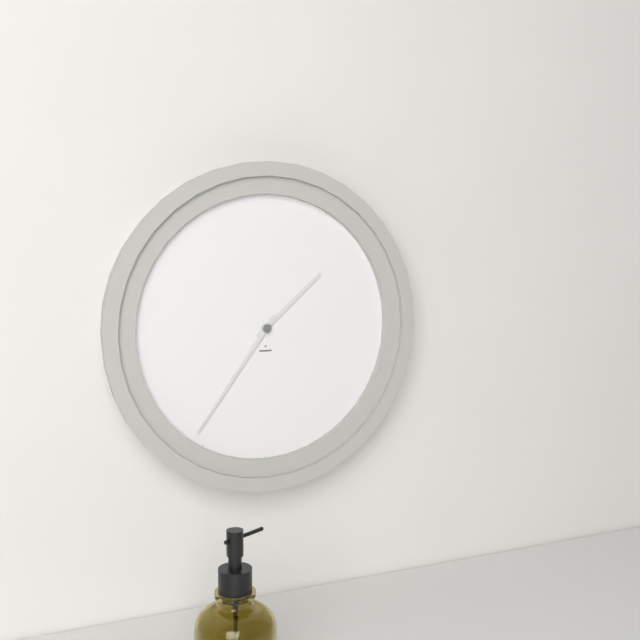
1:36
